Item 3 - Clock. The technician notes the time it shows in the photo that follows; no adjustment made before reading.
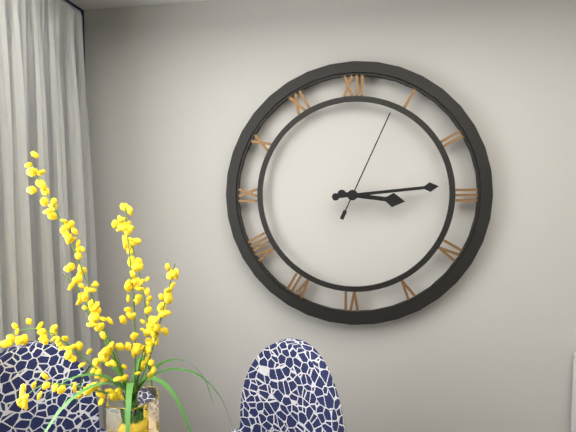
3:14:04
